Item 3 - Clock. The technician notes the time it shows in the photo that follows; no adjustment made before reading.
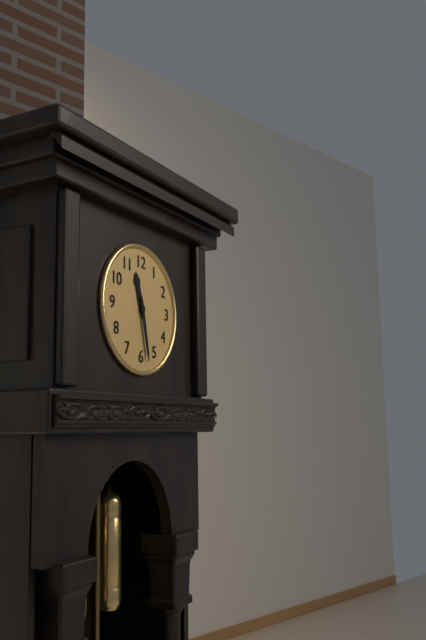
11:28
